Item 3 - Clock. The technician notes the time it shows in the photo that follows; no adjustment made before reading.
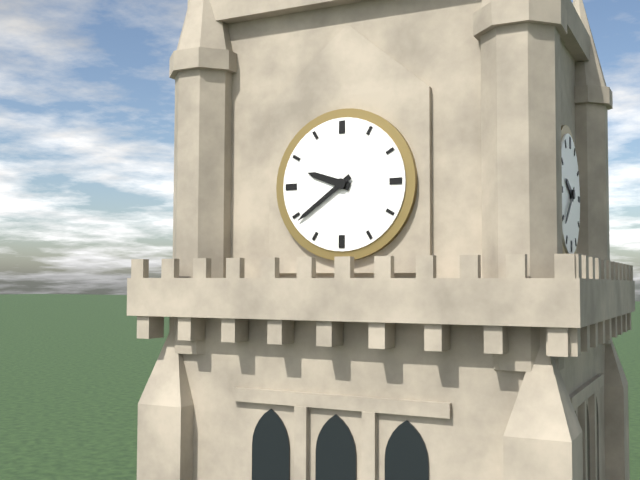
9:39
